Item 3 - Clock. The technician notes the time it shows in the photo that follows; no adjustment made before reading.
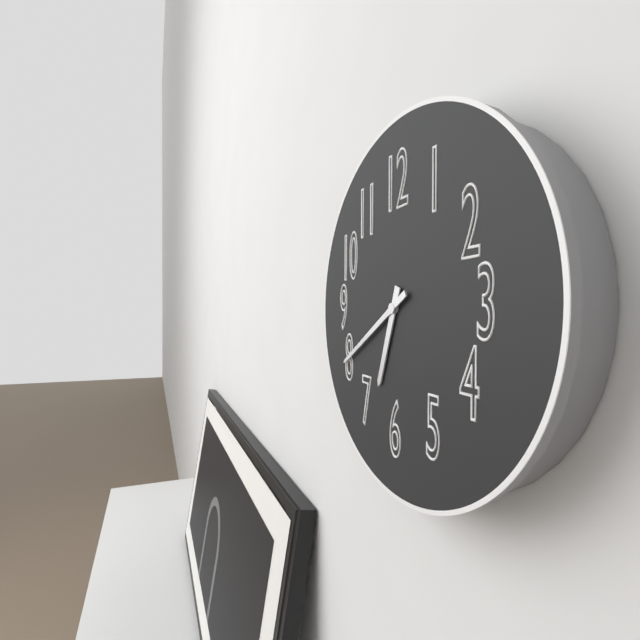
6:40
